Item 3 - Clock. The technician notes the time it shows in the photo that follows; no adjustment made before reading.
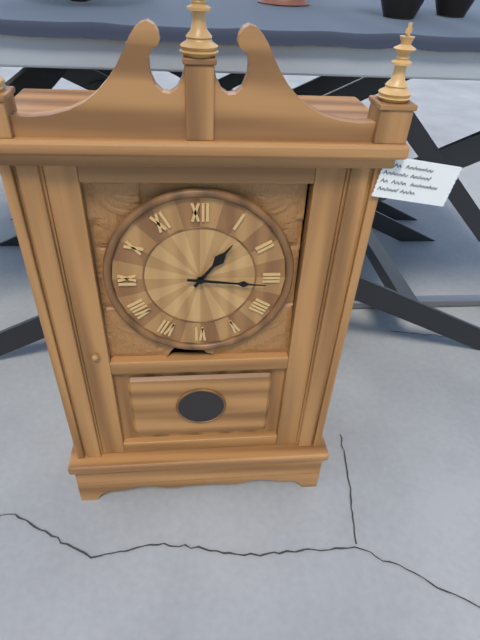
1:16
